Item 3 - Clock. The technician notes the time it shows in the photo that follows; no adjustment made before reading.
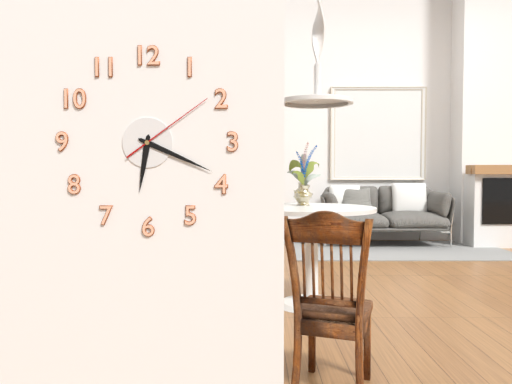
6:19:09
